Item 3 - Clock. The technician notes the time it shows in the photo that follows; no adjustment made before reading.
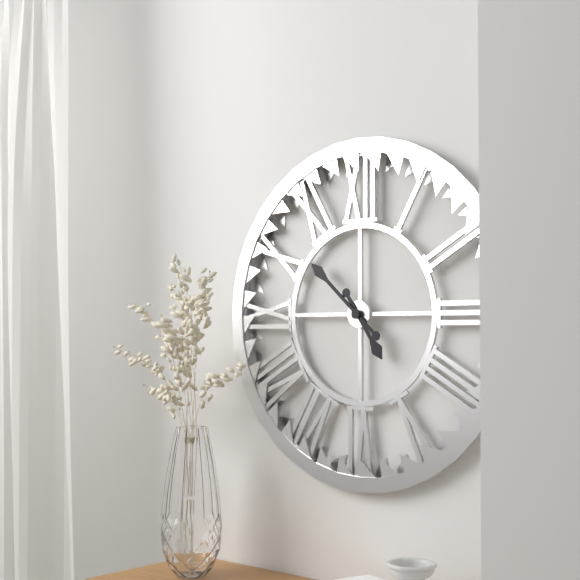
4:52
